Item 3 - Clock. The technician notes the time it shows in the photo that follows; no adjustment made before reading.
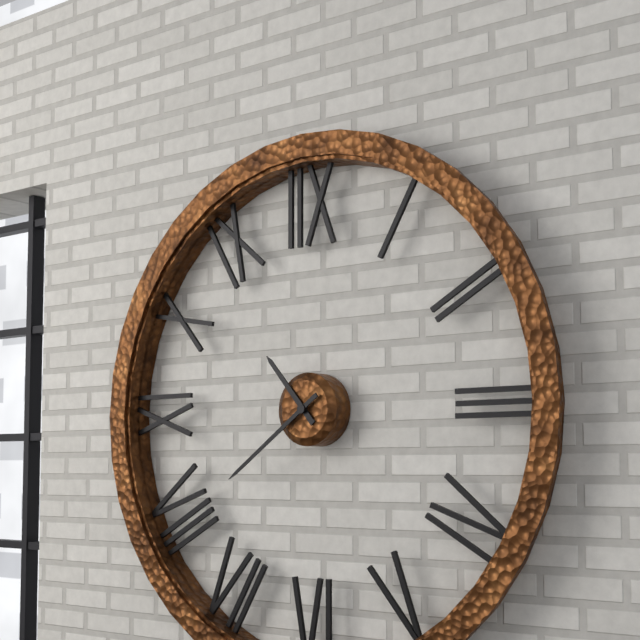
10:39
